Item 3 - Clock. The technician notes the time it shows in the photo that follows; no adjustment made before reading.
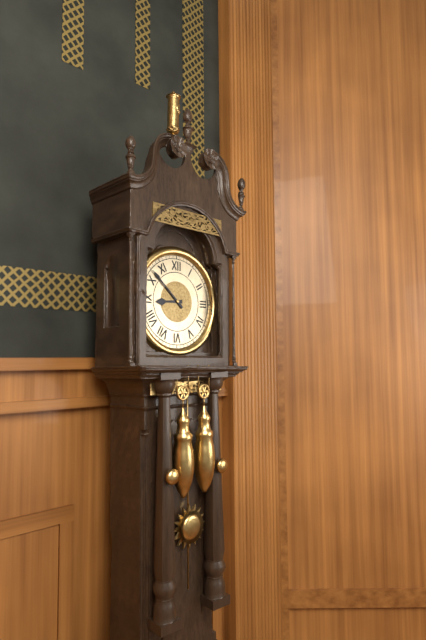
8:52
